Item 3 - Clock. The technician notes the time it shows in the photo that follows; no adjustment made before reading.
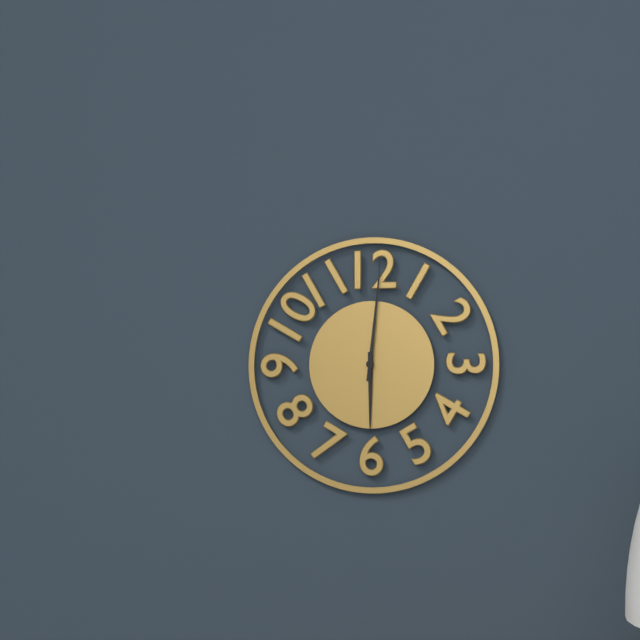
6:01
